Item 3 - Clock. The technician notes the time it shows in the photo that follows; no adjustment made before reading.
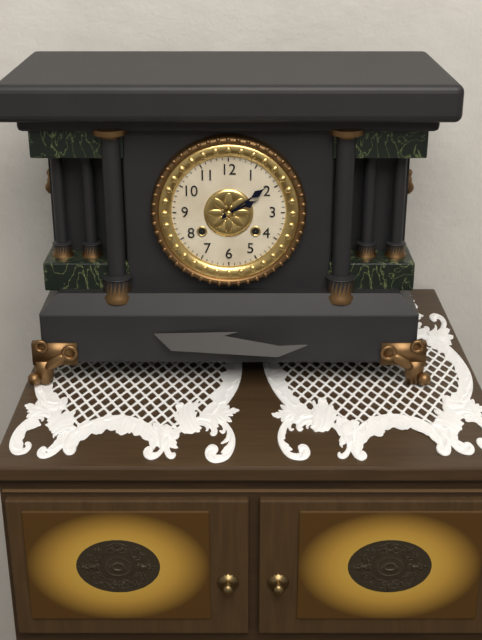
2:09
